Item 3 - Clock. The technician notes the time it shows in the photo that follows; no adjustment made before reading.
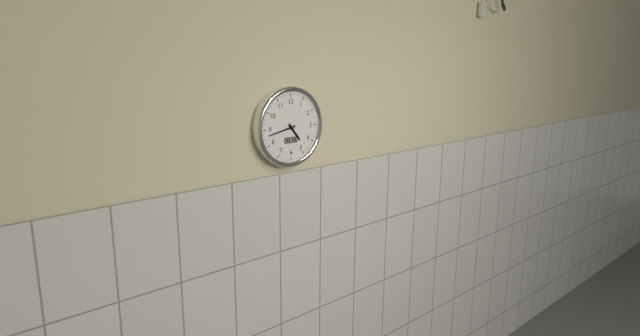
4:43
